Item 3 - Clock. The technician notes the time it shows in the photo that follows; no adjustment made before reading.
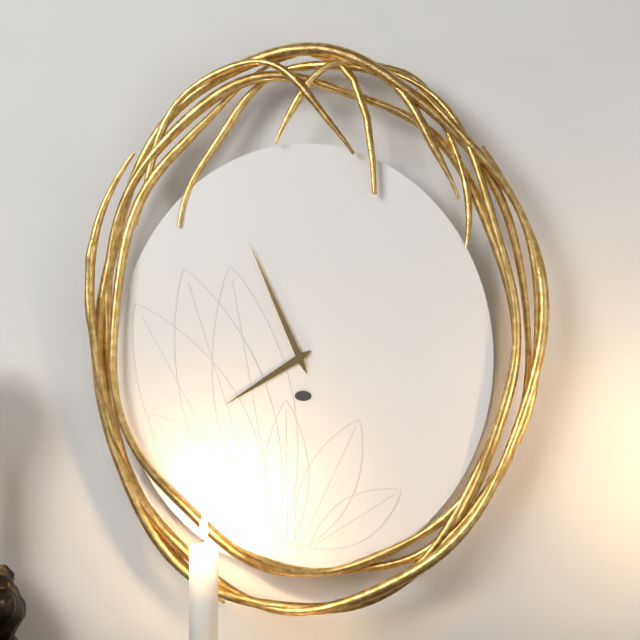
7:56
